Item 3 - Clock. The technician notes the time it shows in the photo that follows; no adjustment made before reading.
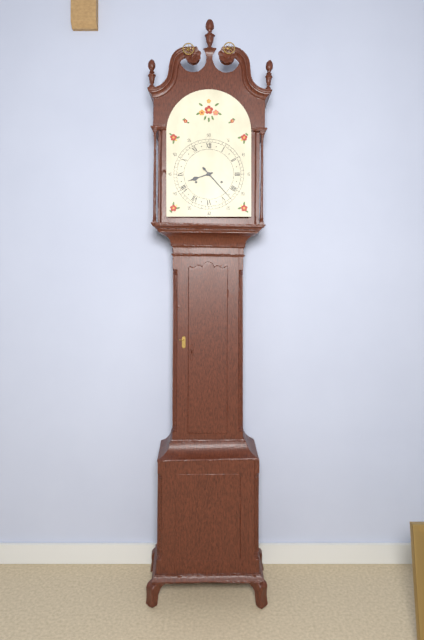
8:23
